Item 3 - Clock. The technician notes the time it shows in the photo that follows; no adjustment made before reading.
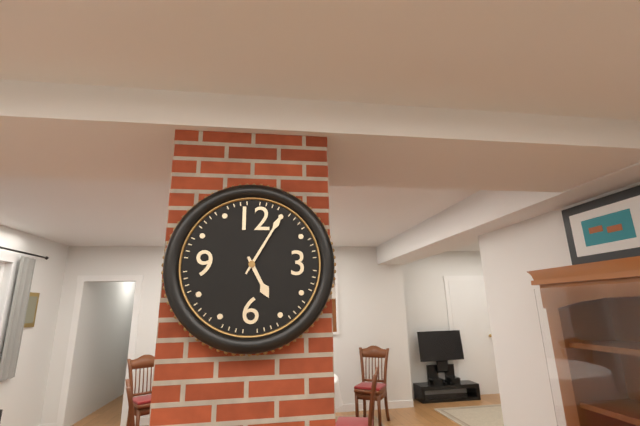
5:05
